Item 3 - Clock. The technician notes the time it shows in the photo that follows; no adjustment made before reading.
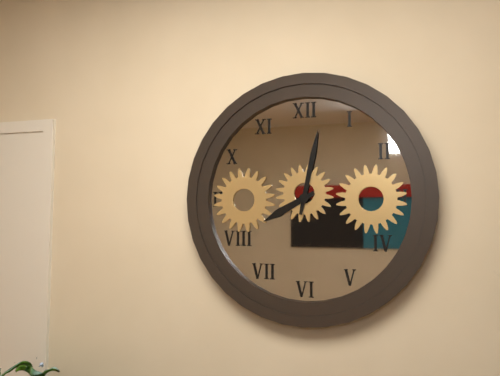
8:02
